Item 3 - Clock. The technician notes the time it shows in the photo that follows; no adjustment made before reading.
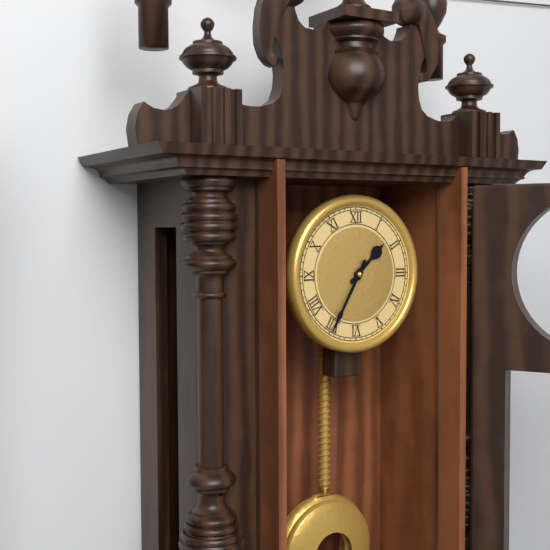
1:35
